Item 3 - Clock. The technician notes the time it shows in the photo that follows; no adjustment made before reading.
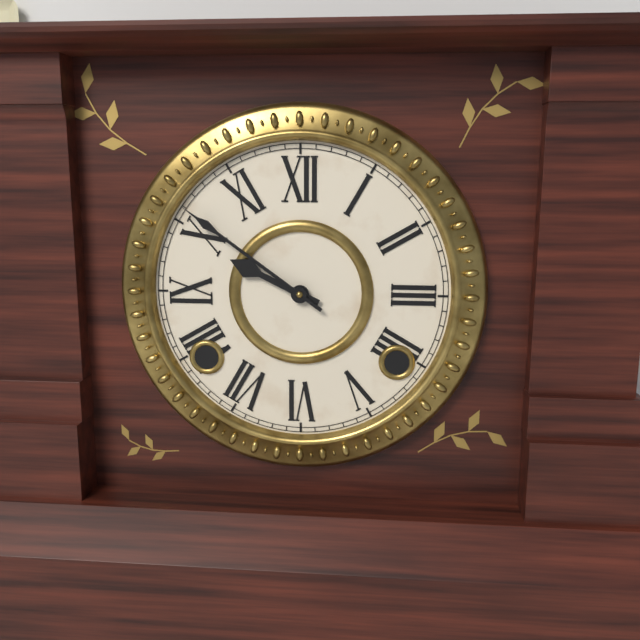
9:51
